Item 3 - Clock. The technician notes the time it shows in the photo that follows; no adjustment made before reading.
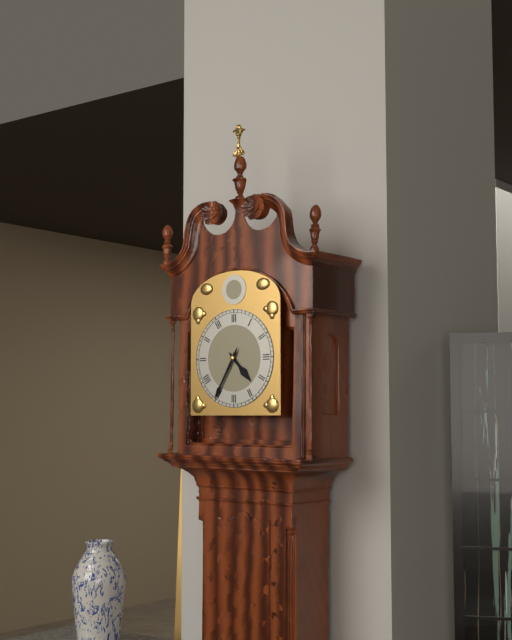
4:35
